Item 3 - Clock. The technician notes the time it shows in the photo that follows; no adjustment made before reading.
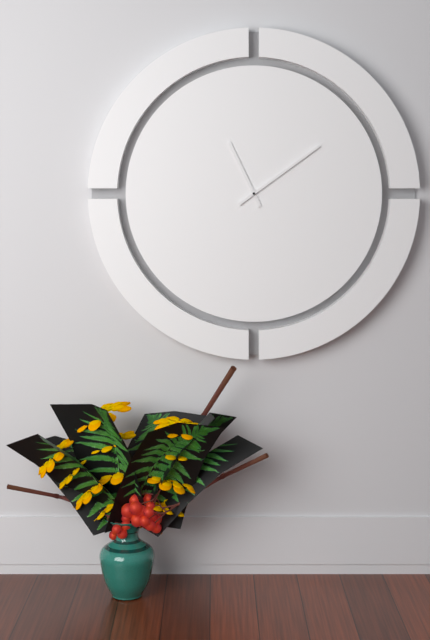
11:09
